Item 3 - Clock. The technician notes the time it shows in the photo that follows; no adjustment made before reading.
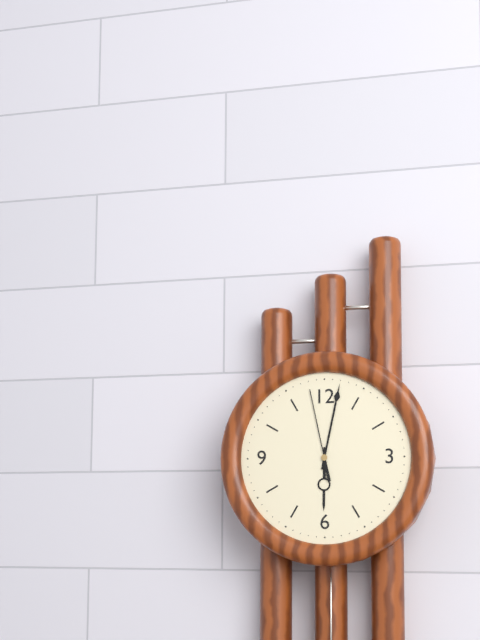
6:02:58
